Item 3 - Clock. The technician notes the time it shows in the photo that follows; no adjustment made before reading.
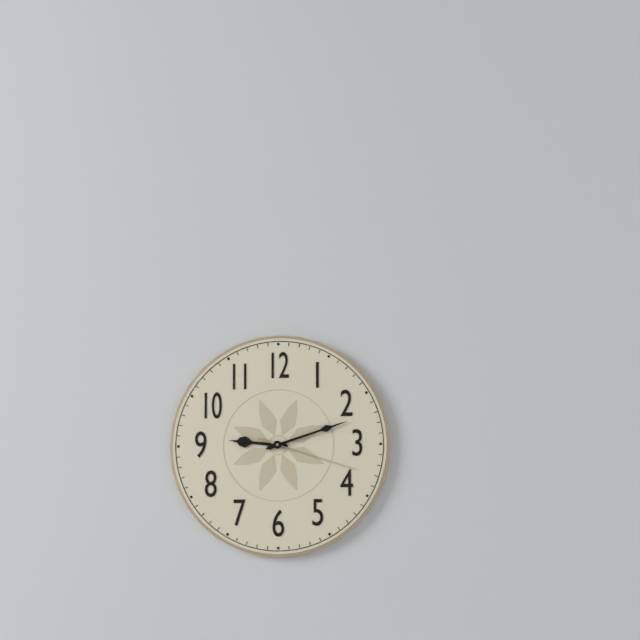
9:12:18
